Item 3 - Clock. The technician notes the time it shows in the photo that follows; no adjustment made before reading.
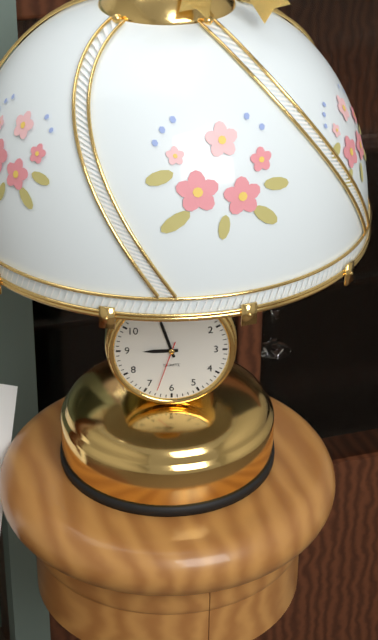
8:57:33
